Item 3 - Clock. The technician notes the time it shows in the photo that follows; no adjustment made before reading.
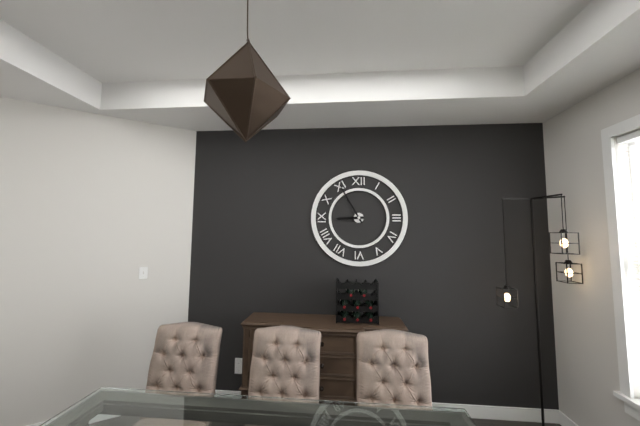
8:55
